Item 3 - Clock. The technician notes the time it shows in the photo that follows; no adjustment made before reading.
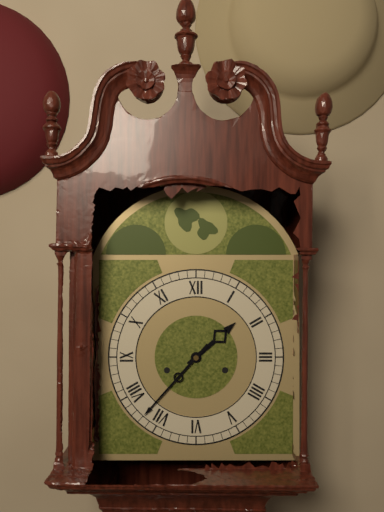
1:37
